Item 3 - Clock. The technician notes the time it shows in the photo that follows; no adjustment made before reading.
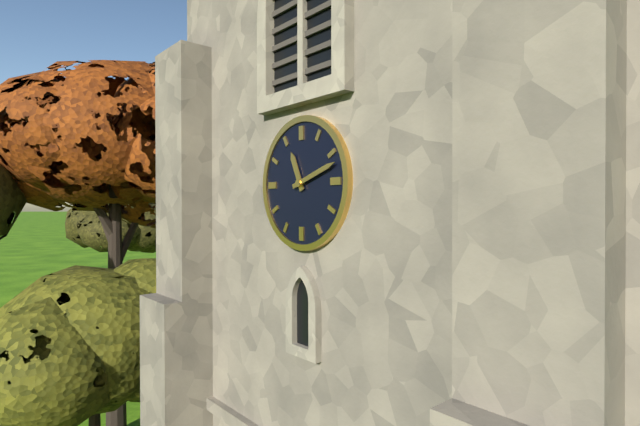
11:12
